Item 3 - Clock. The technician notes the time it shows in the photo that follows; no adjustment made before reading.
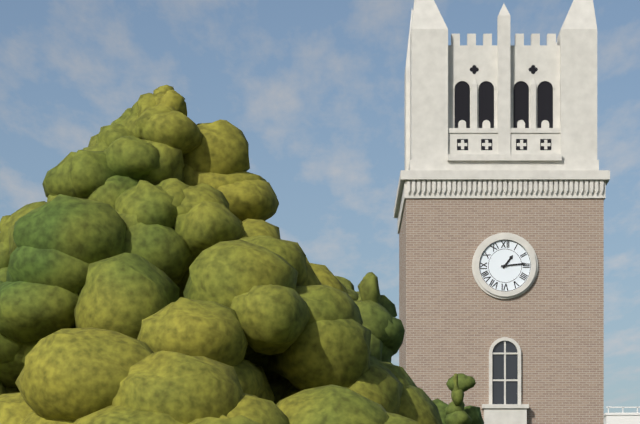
1:14
